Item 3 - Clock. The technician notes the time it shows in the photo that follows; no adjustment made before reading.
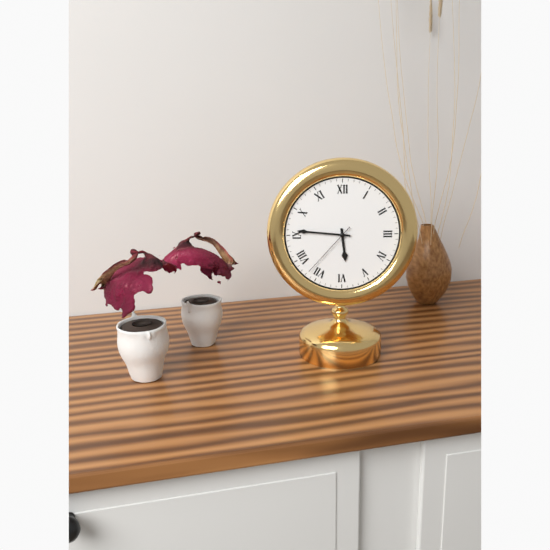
5:46:37
